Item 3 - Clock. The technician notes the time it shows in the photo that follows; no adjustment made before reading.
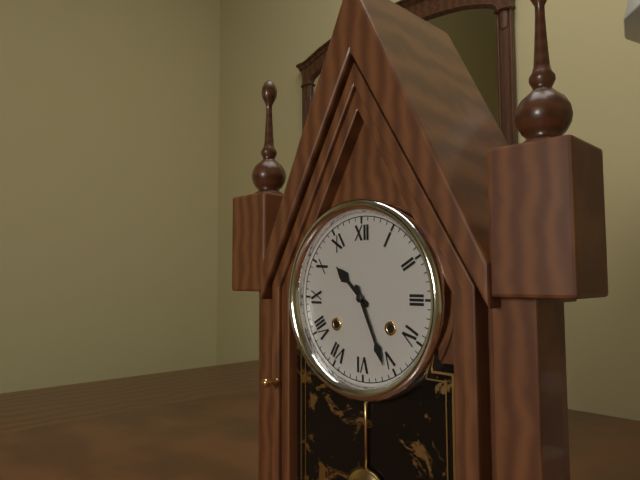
10:26
